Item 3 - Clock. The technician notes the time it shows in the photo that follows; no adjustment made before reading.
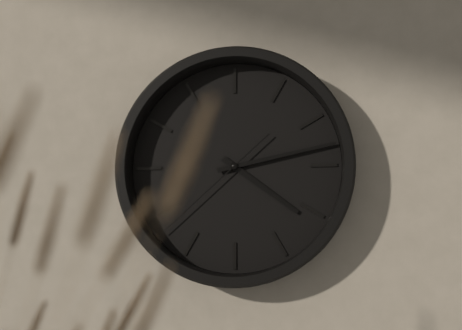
4:13:38
